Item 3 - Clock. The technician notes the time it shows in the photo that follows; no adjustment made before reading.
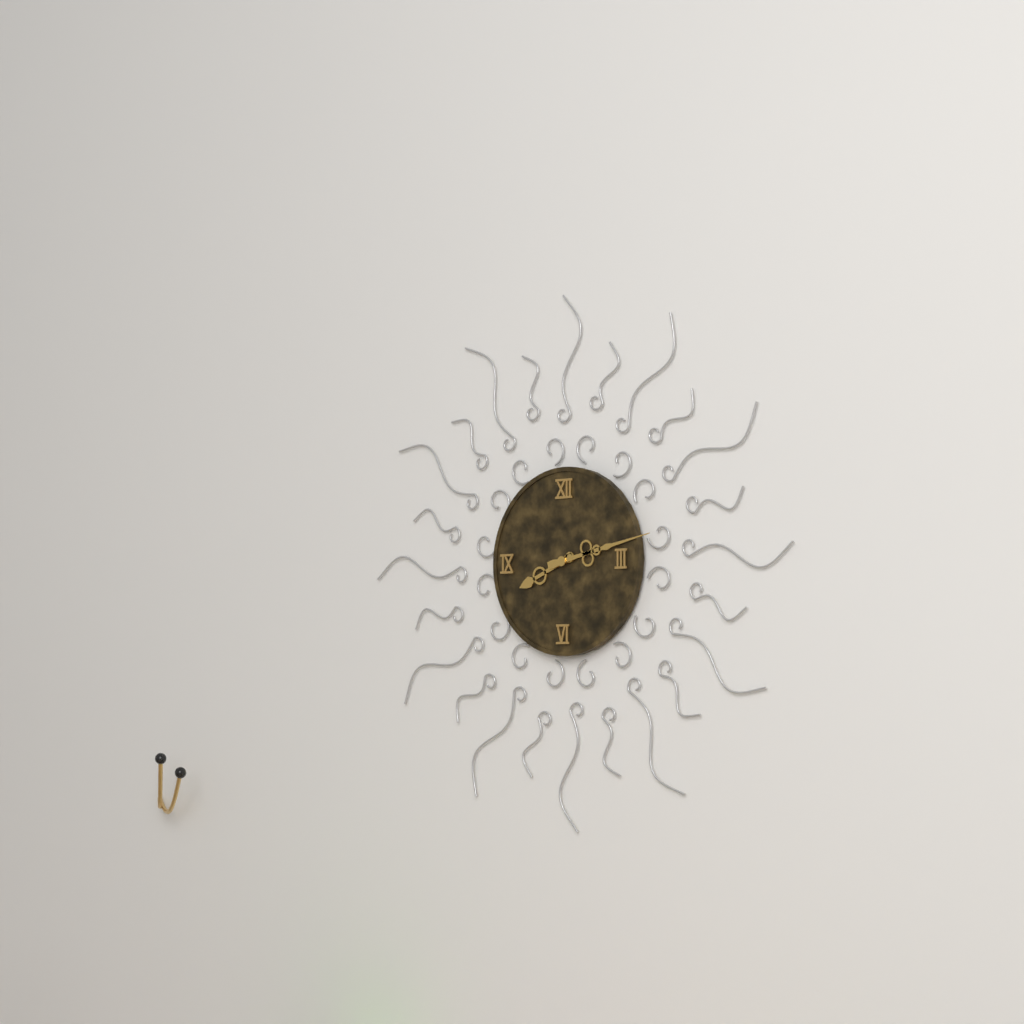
8:13
